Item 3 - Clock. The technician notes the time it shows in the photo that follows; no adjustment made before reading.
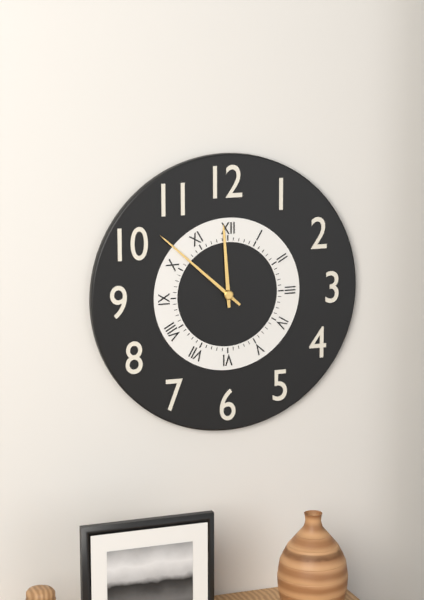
11:52
